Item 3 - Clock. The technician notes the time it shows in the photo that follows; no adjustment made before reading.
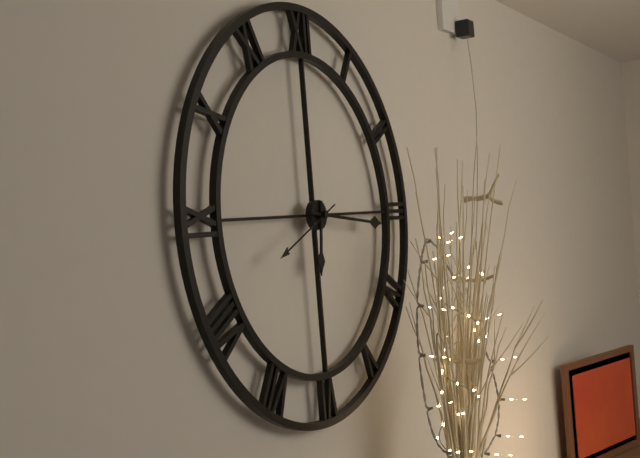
6:16:41
